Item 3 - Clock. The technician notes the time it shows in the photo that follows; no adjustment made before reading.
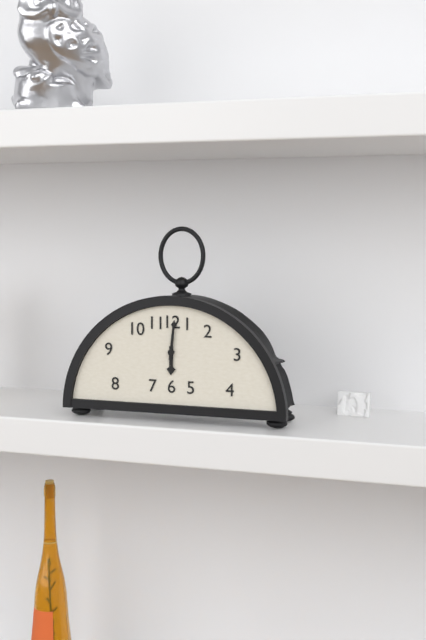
6:01
